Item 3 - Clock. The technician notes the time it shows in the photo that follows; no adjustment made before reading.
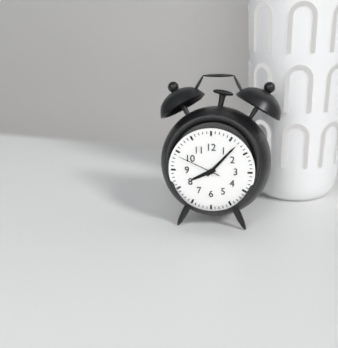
8:07
